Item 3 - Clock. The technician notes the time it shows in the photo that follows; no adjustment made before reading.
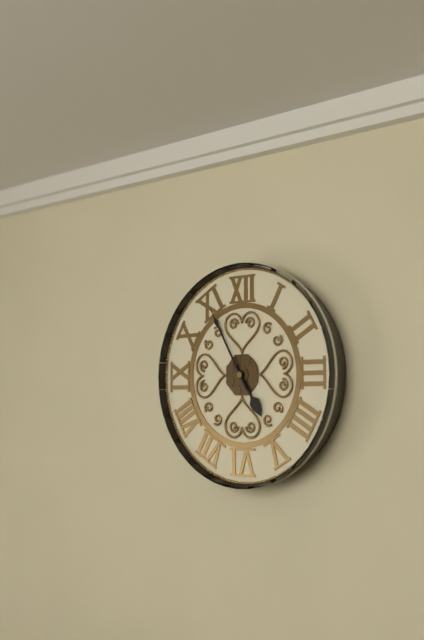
4:55
